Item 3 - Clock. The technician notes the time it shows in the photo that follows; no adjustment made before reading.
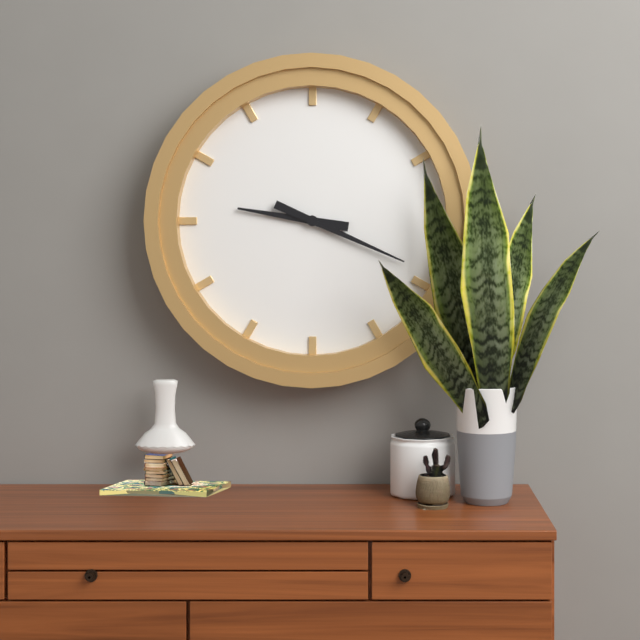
9:19
